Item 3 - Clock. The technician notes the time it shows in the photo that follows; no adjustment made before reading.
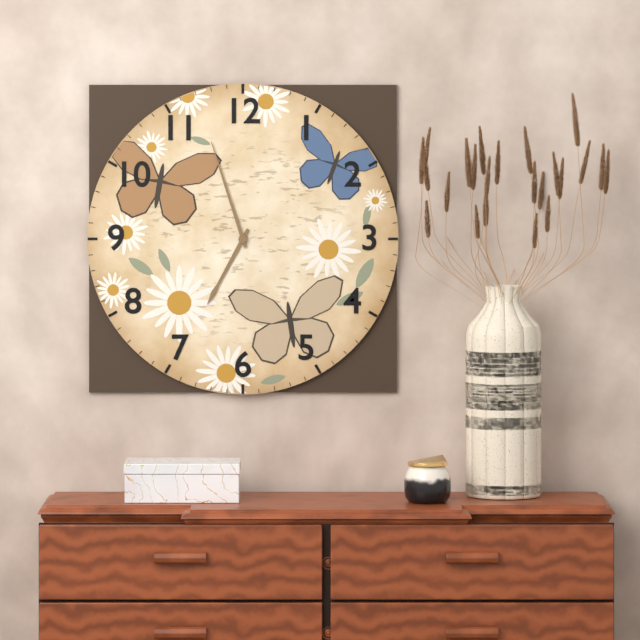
6:57
